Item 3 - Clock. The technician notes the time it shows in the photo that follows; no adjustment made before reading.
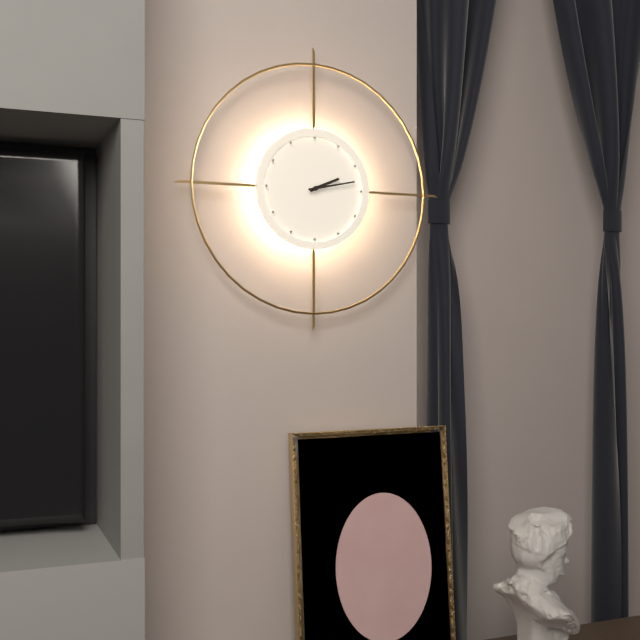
2:13
